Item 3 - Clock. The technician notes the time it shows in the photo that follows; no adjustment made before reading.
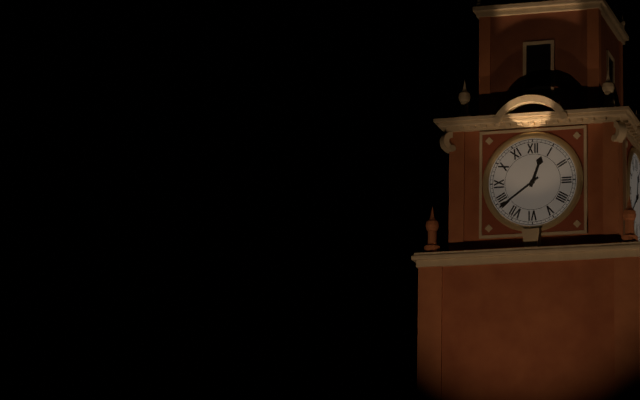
12:39
